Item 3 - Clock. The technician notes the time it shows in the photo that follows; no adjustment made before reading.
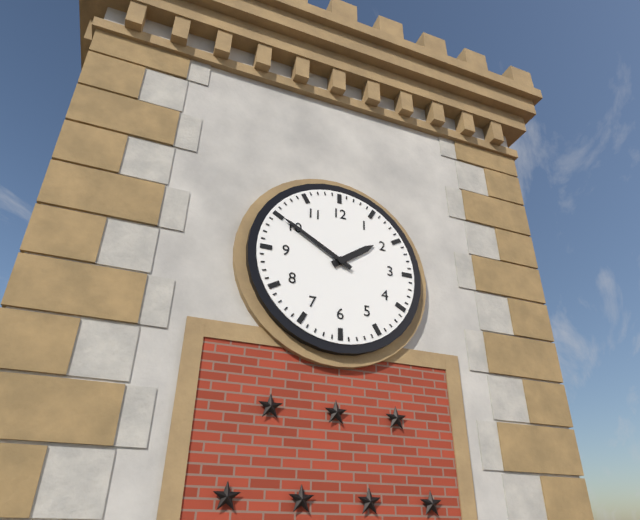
1:50
